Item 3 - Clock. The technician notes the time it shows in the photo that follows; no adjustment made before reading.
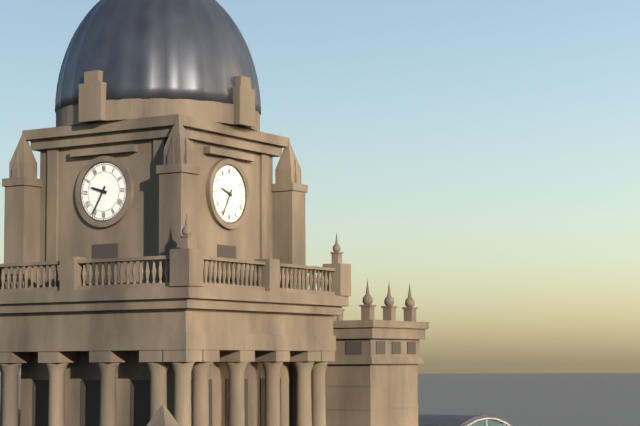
9:35
